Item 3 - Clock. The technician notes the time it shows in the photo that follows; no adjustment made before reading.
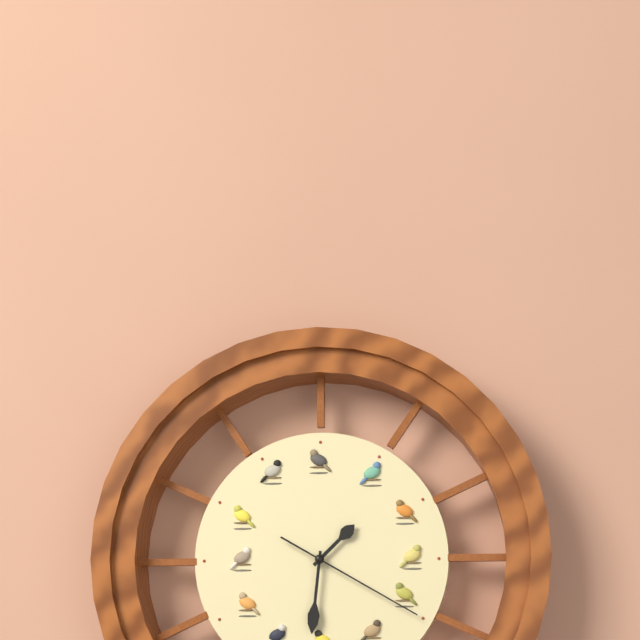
1:31:20
